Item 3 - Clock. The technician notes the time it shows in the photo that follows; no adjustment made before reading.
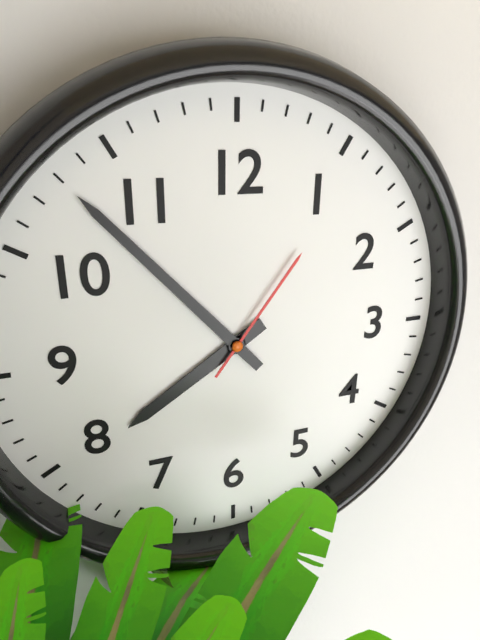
7:53:06
